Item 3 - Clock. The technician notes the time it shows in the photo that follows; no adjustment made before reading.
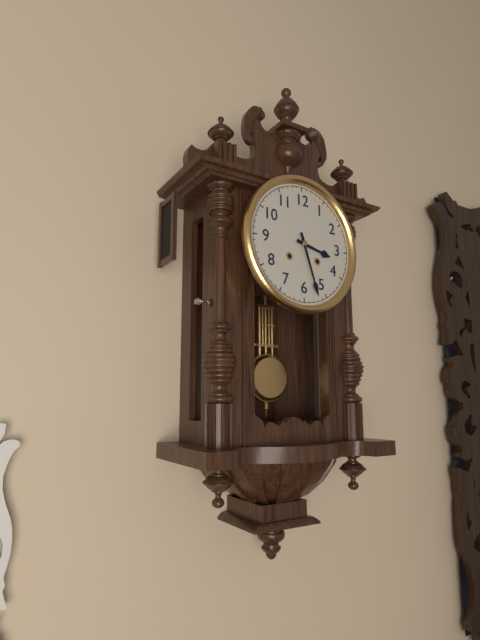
3:27
